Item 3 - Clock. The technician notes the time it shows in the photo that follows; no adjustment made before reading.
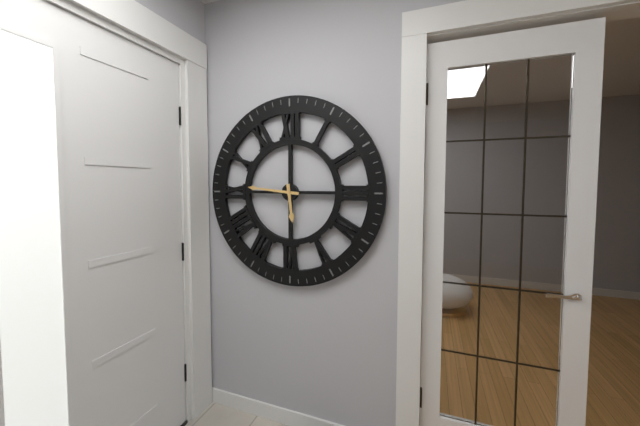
5:46
